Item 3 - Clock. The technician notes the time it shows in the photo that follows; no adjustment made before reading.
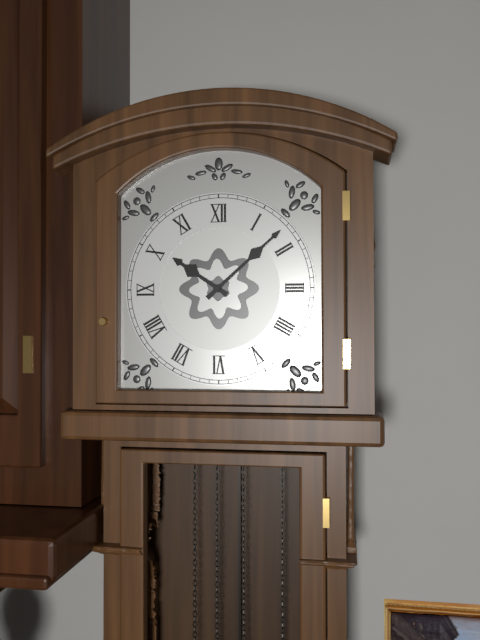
10:08
